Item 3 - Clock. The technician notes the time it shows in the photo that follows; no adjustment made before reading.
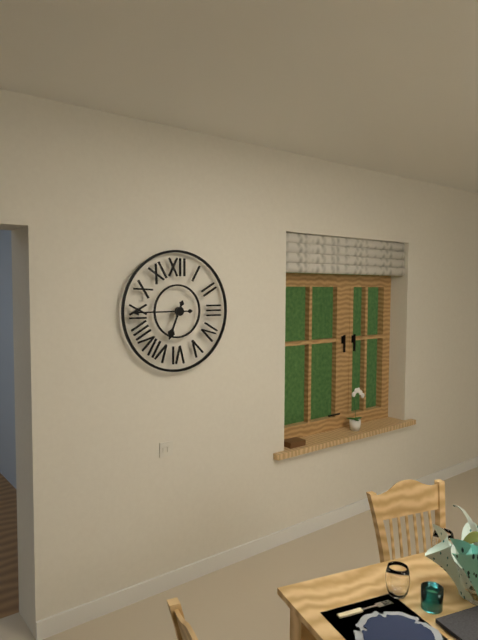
6:45
